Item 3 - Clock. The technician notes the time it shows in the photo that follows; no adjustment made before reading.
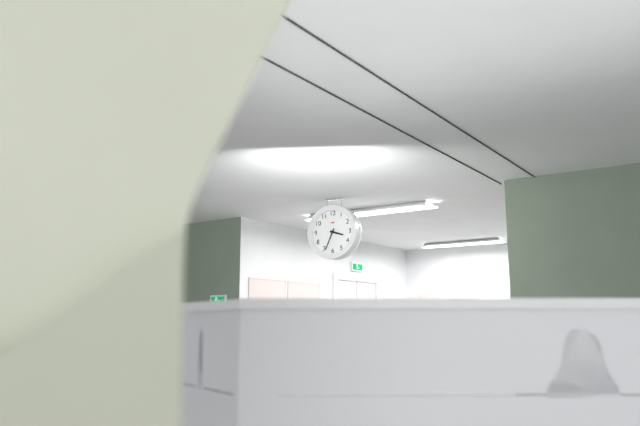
3:34
